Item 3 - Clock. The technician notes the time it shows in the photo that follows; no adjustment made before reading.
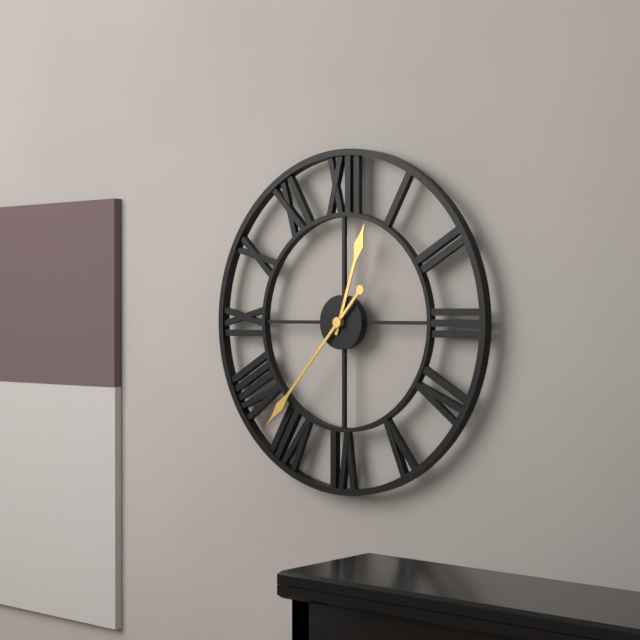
12:37
